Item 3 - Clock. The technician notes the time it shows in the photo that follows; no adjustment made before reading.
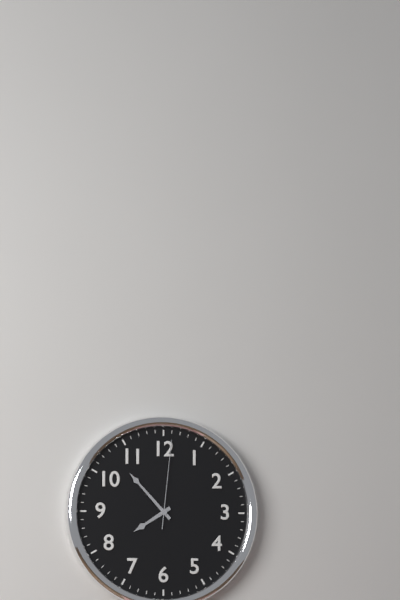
7:53:01
